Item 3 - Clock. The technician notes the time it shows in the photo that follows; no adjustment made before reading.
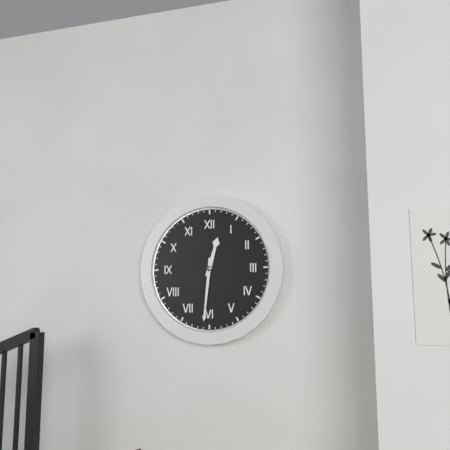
12:31
